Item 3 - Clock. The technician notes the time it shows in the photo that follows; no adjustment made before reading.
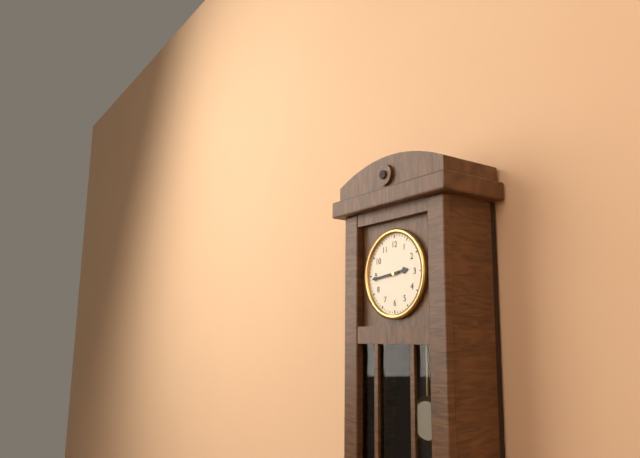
2:44
